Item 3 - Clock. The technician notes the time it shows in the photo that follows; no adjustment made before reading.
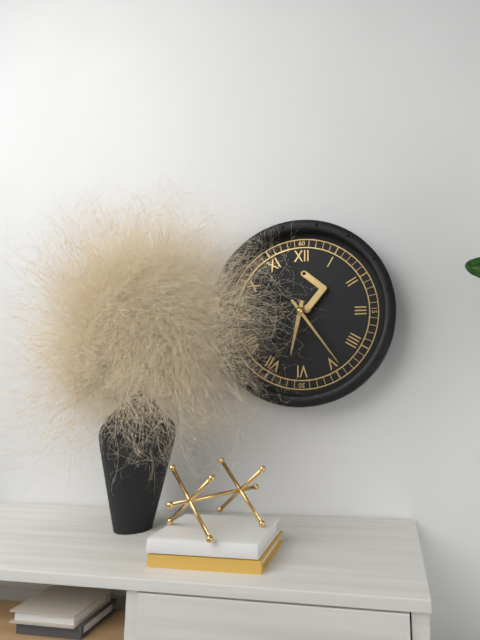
6:24
